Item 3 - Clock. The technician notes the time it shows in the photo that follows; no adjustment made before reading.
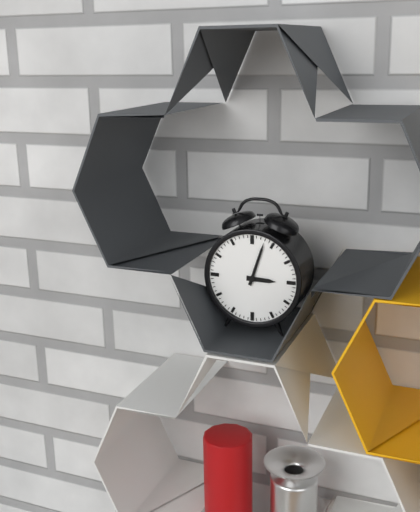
3:03
